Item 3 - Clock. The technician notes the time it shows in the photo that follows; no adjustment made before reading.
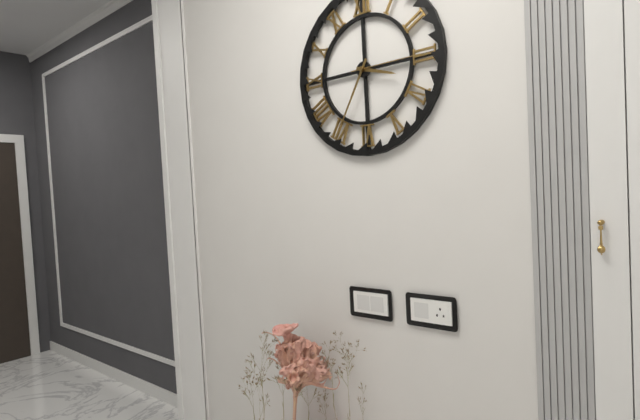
3:35:15
